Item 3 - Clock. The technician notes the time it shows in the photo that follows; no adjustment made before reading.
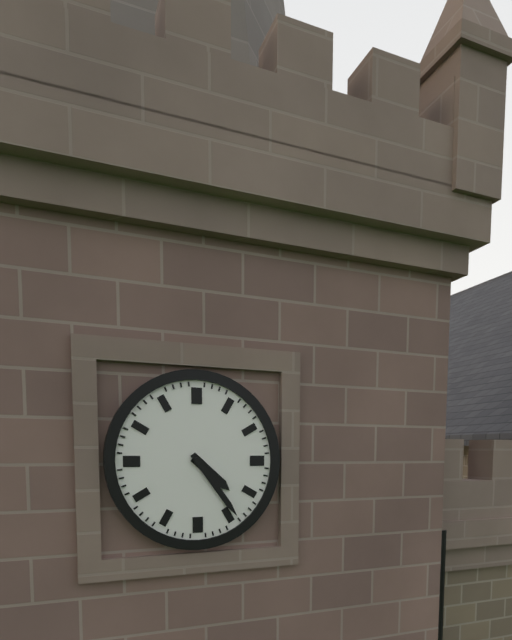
4:24
